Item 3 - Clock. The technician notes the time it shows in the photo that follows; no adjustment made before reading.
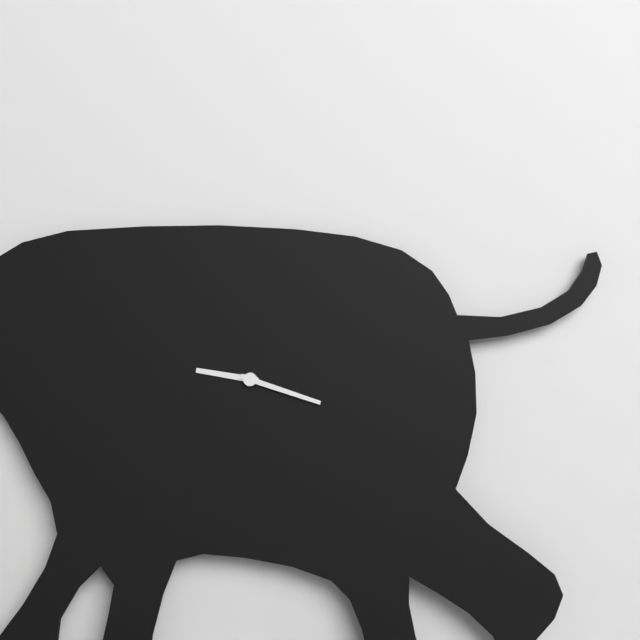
9:18
